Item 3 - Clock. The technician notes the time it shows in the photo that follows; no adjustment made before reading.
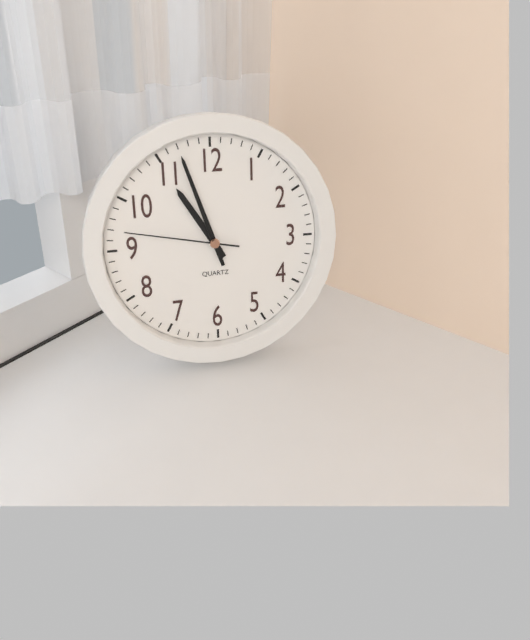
10:57:47
